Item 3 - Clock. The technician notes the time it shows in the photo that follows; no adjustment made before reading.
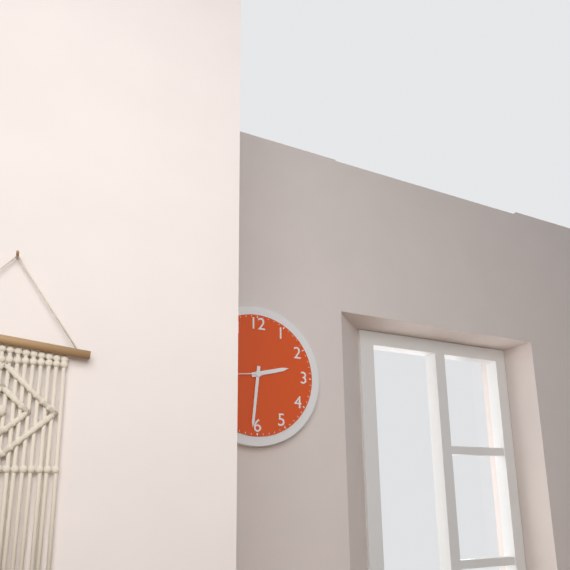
2:31
